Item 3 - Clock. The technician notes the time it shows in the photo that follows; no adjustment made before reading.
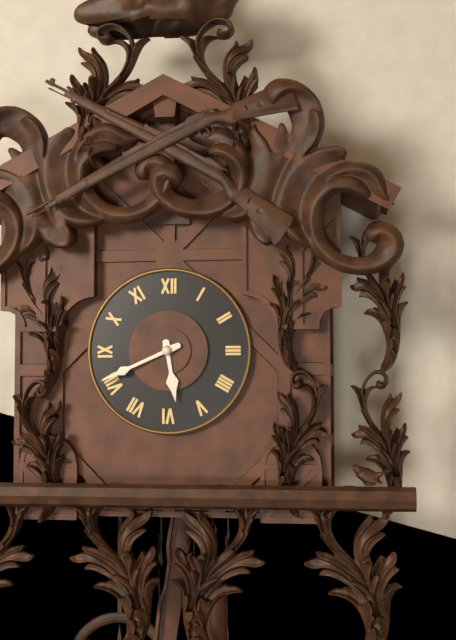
5:41
